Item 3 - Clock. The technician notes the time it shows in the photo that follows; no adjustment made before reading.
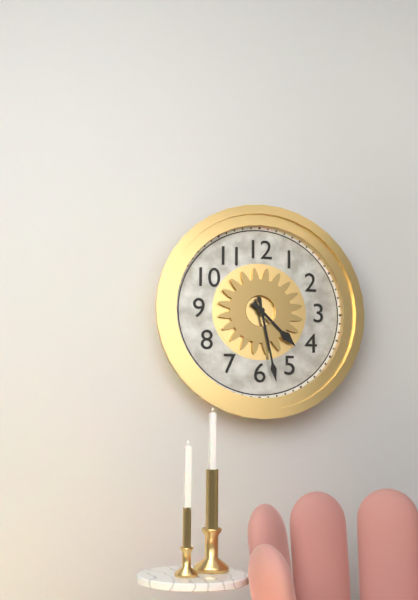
4:28
